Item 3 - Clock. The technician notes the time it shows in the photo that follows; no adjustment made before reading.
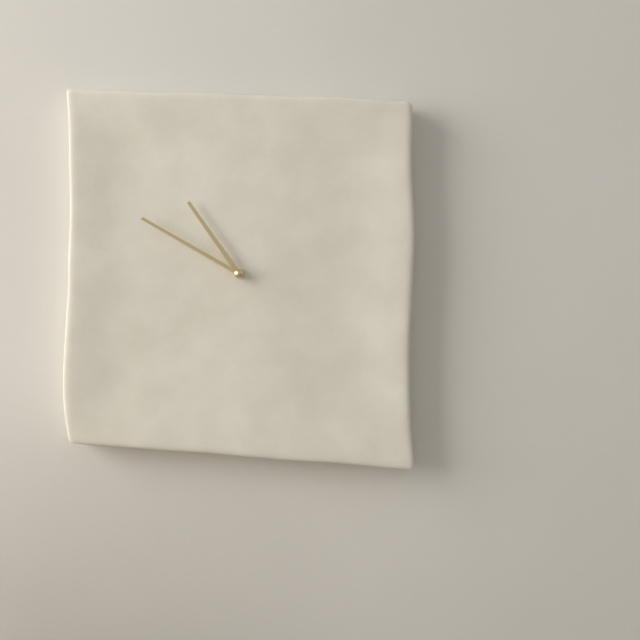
10:50
